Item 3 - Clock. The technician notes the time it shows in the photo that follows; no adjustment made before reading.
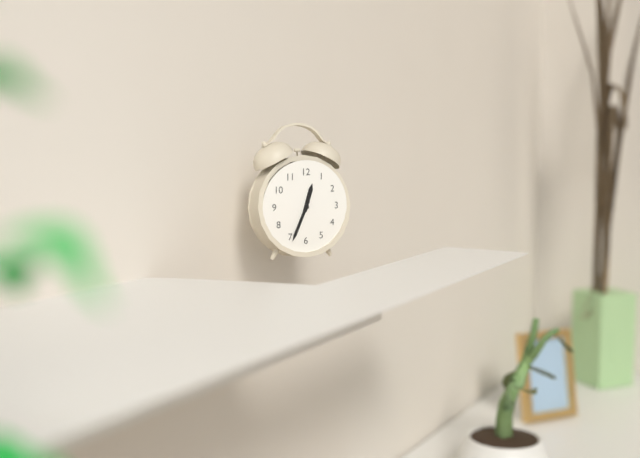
12:34
